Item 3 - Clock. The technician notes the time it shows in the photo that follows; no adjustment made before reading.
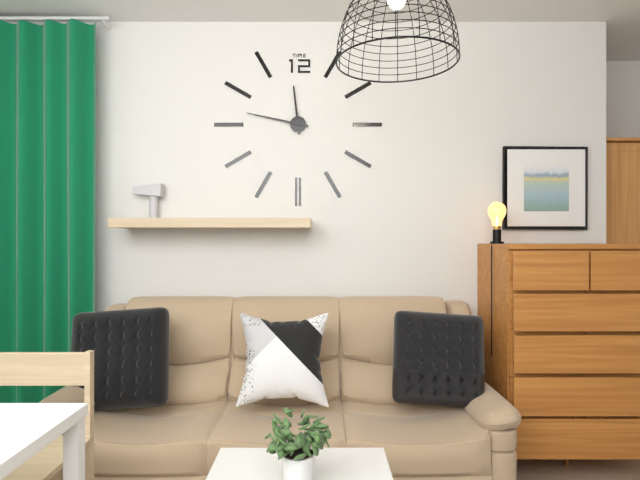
11:47
